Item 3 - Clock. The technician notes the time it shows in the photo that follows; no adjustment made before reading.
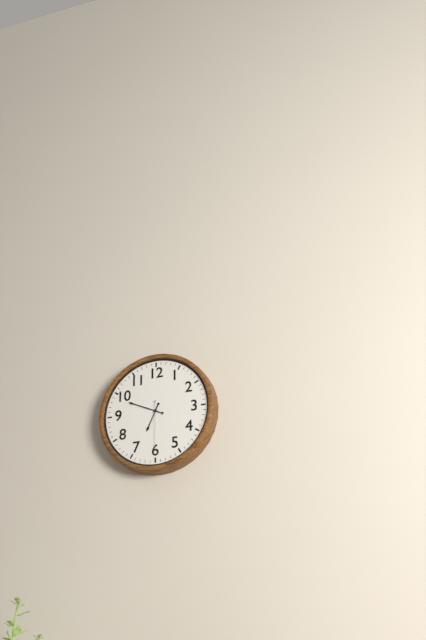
6:49
